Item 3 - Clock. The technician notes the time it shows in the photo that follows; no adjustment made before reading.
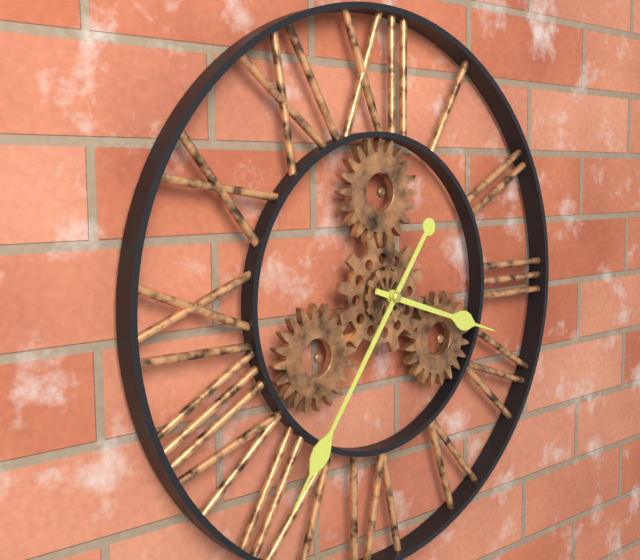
3:36
